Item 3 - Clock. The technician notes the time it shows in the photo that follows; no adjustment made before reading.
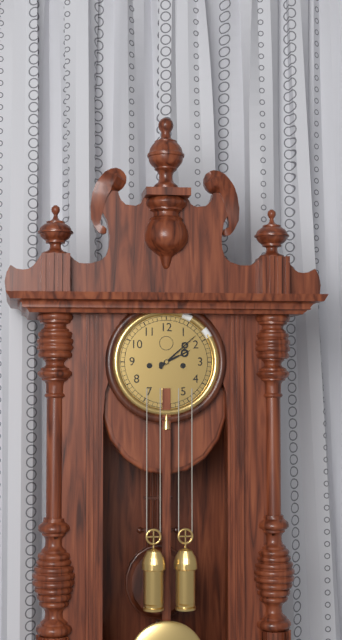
2:08
